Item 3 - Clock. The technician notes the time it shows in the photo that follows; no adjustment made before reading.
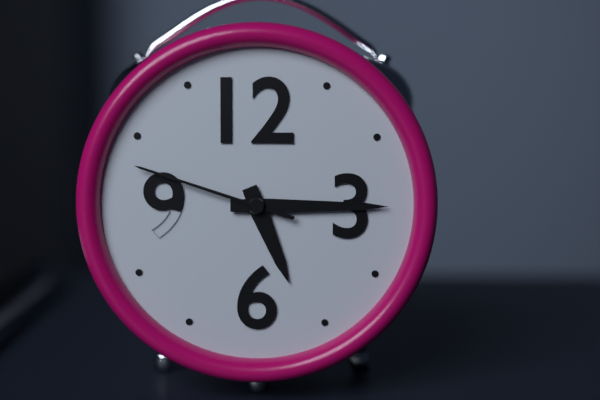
5:15:48
